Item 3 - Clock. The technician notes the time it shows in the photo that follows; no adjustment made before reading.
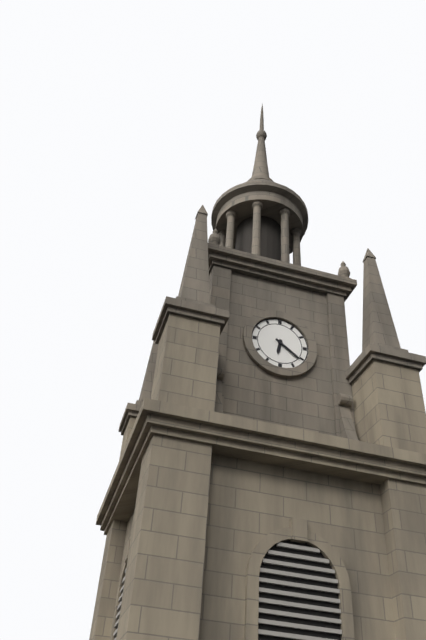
6:21
